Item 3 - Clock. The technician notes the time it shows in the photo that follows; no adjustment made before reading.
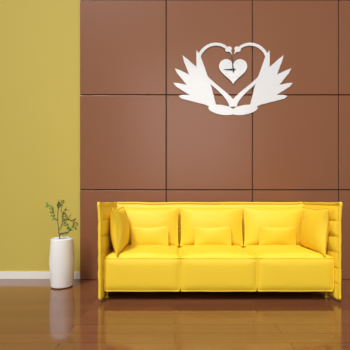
8:59
